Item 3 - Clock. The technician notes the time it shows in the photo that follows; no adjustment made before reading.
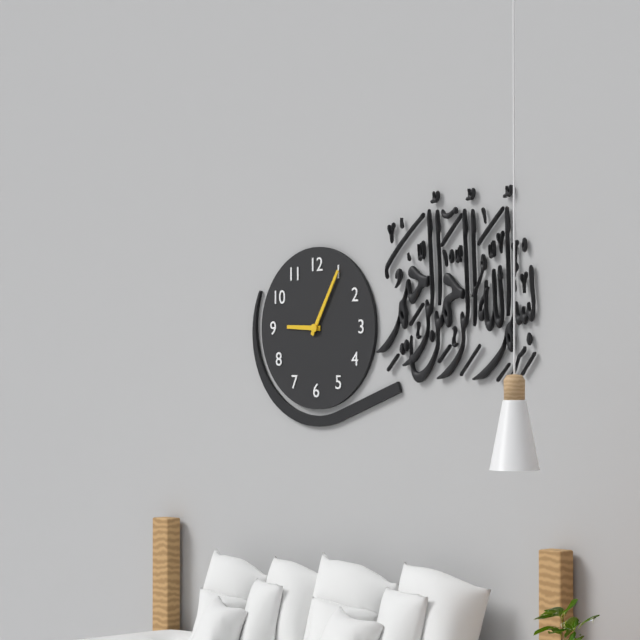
9:05
